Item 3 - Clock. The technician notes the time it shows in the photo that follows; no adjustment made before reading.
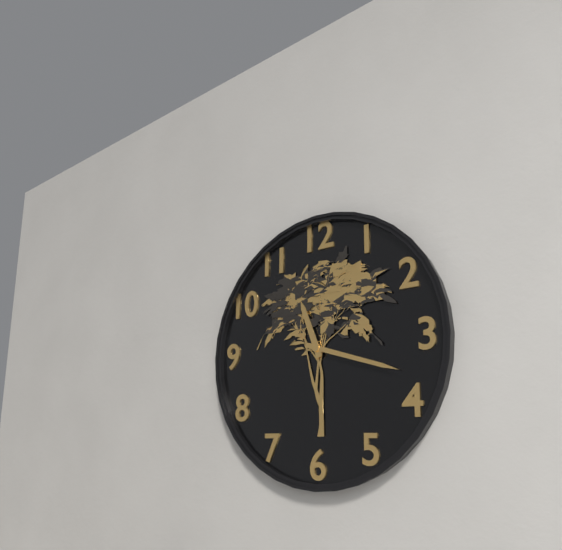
11:18
